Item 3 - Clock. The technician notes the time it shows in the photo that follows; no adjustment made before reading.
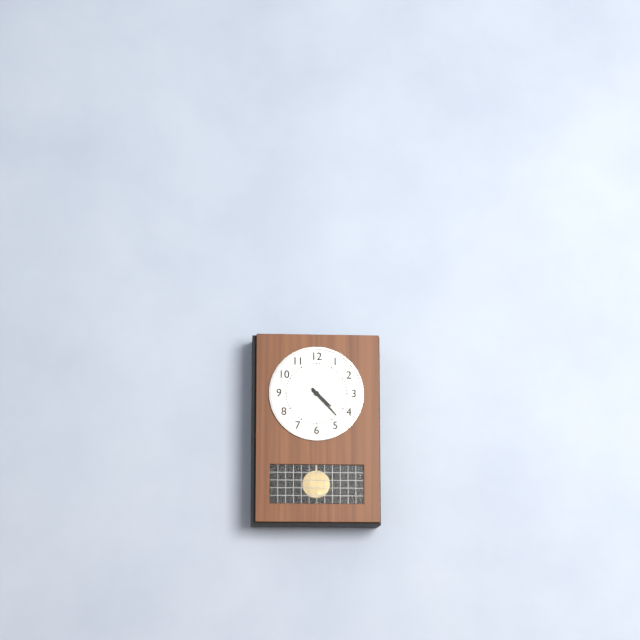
4:23
